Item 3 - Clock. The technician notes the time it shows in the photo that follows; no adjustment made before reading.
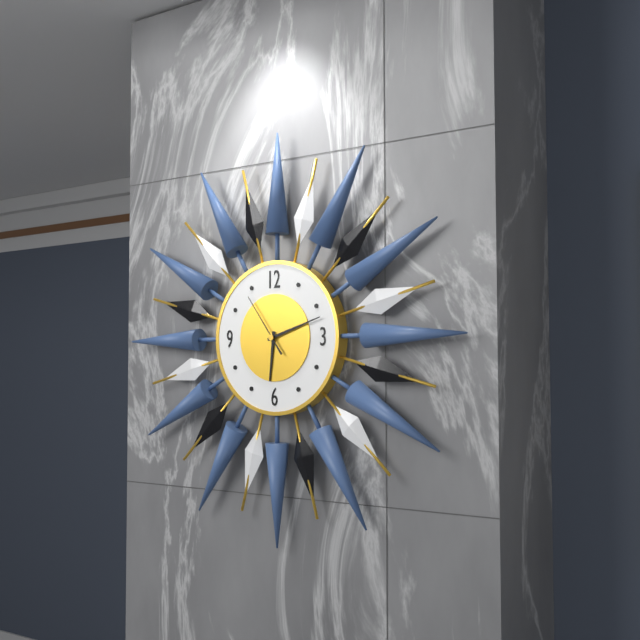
6:12:54
